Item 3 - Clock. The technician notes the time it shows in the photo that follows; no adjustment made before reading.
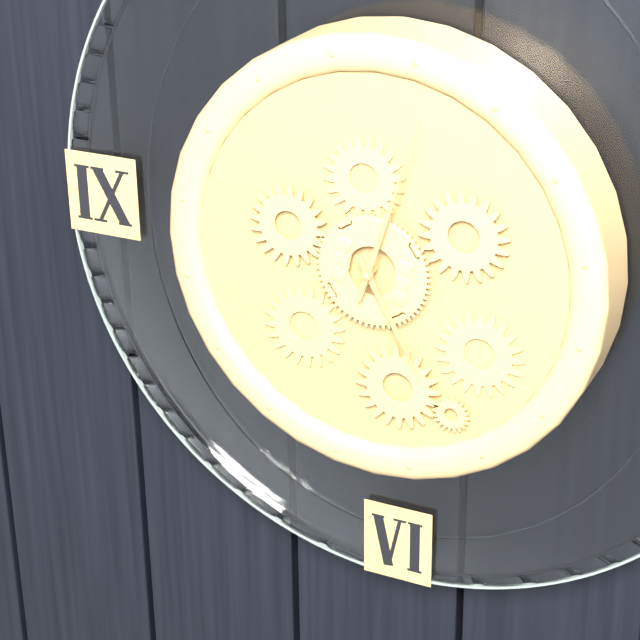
5:03
